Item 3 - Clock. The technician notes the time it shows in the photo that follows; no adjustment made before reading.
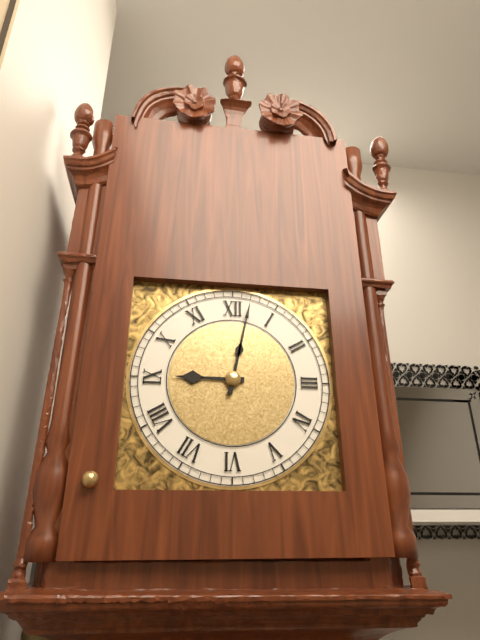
9:02
